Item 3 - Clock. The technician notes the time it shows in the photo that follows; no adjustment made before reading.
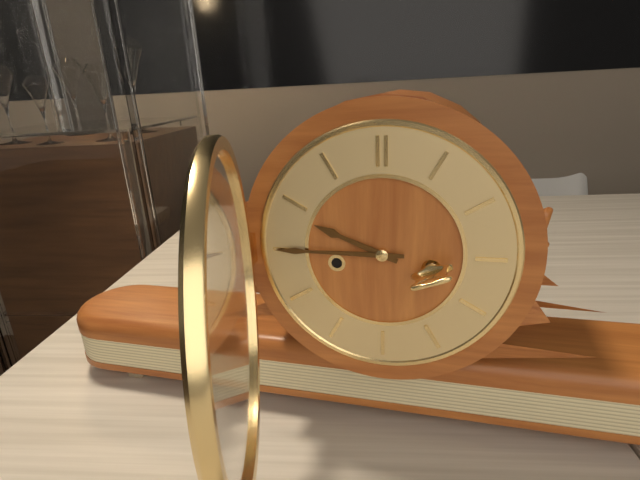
9:45
